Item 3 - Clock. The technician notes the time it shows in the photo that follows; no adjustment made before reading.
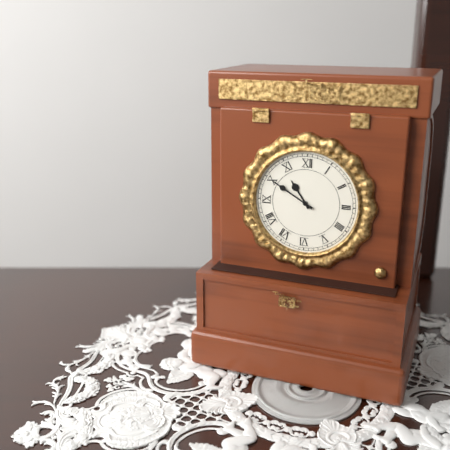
10:50
